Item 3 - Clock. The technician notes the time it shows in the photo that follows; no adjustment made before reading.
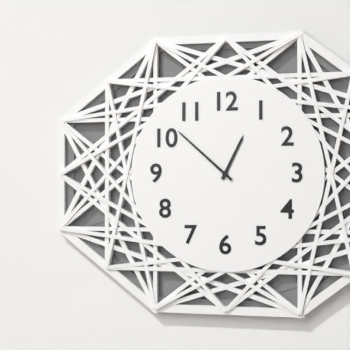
12:52
